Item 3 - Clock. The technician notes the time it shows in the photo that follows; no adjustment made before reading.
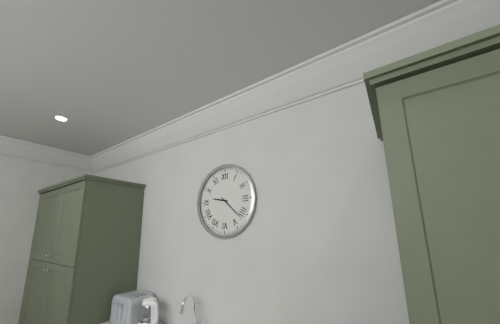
9:22
